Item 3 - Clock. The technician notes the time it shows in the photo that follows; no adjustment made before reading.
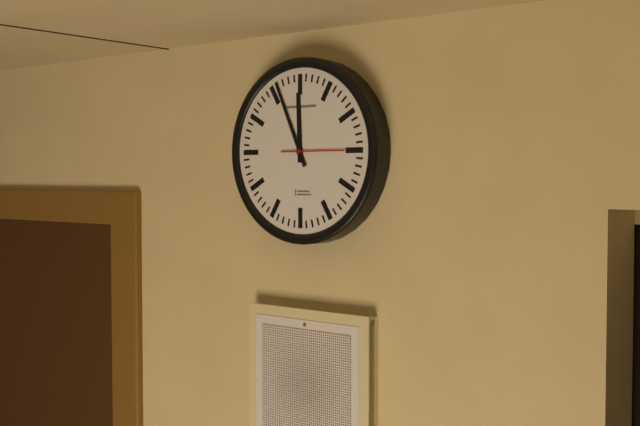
11:56:15
